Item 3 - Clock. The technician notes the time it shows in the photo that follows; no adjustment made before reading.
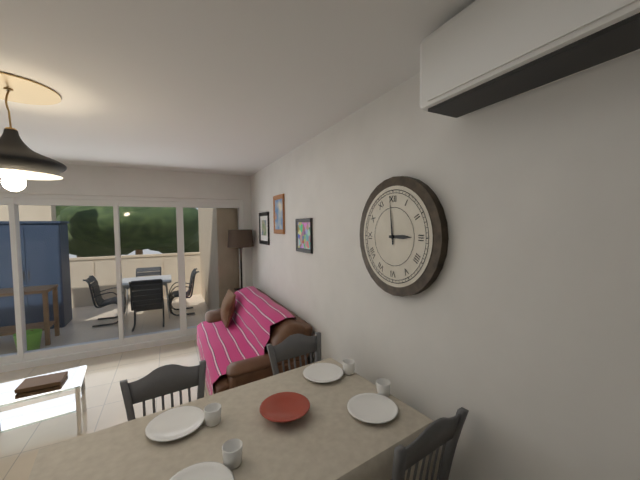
2:59
